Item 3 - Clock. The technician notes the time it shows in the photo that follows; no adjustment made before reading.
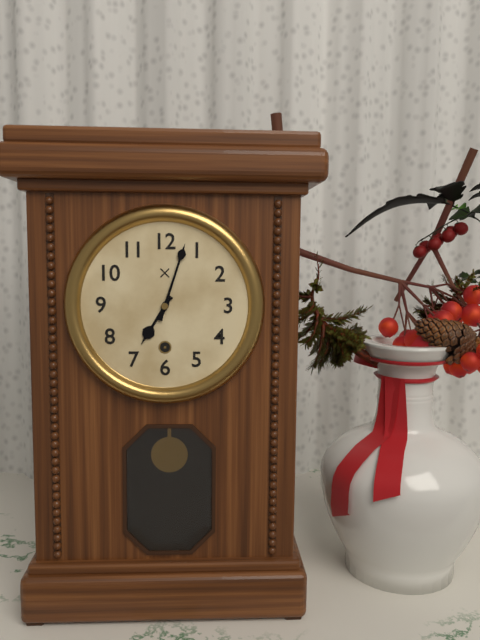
7:03
